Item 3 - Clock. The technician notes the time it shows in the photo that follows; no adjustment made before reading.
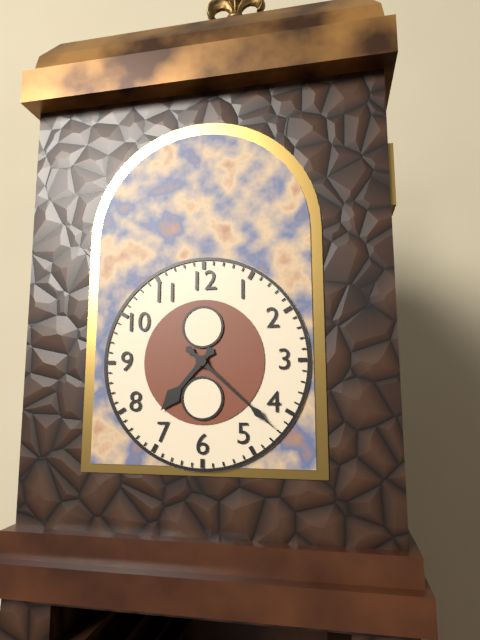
7:22
